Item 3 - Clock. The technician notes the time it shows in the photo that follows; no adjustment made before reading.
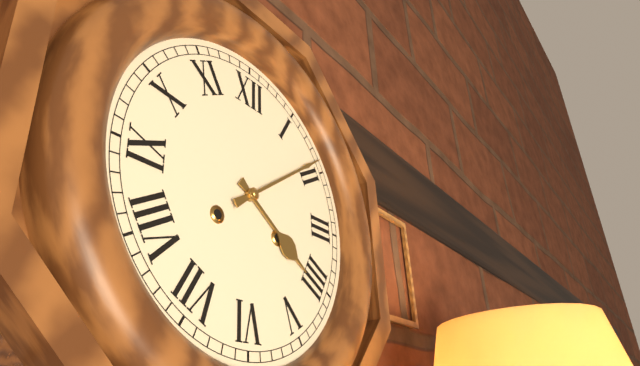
4:09
